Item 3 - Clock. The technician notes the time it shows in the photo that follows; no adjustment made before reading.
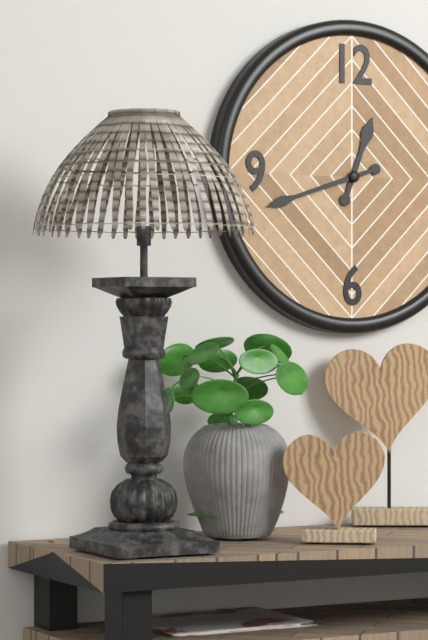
12:42
